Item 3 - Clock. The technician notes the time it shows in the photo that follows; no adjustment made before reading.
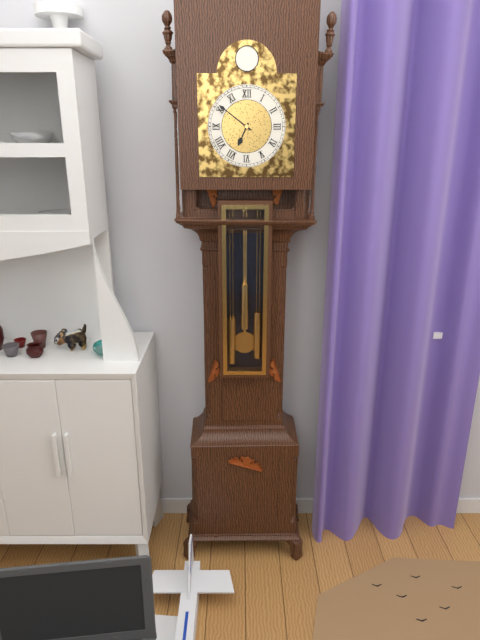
6:51
